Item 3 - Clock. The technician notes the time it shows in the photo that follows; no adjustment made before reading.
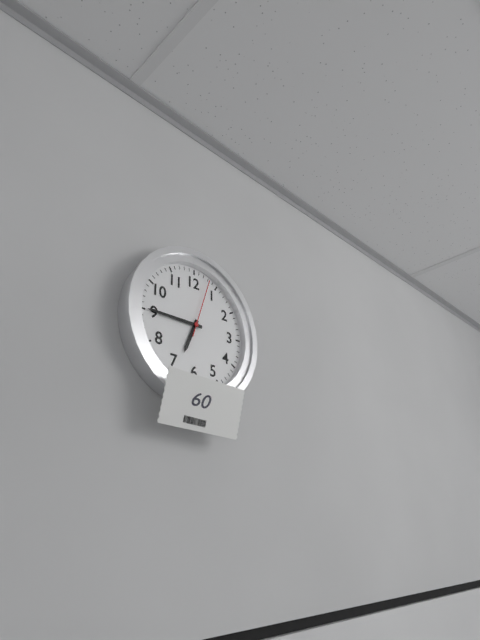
6:45:03
